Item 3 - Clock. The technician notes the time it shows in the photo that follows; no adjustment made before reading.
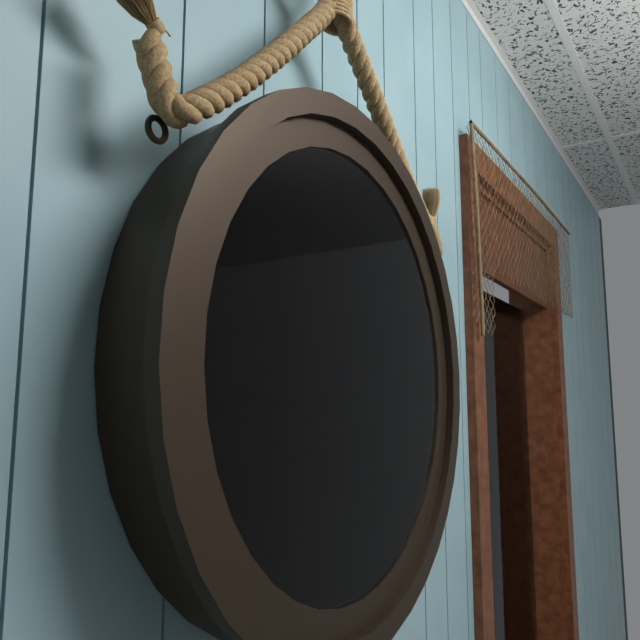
10:04
